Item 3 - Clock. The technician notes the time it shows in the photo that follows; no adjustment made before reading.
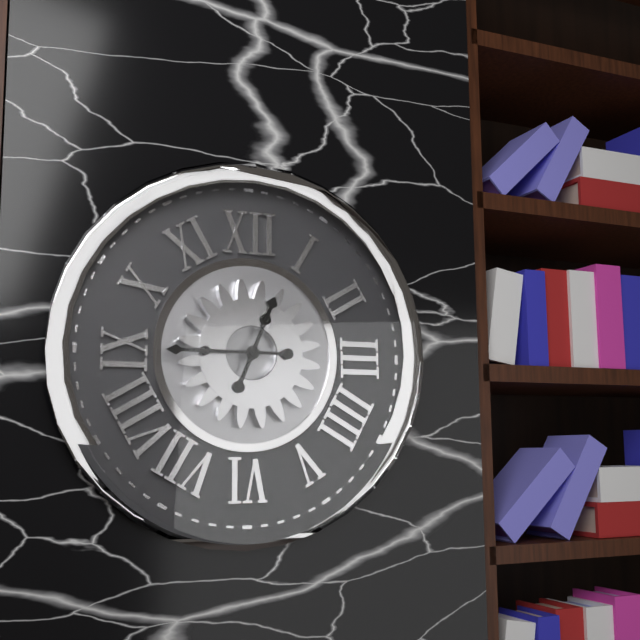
12:45
